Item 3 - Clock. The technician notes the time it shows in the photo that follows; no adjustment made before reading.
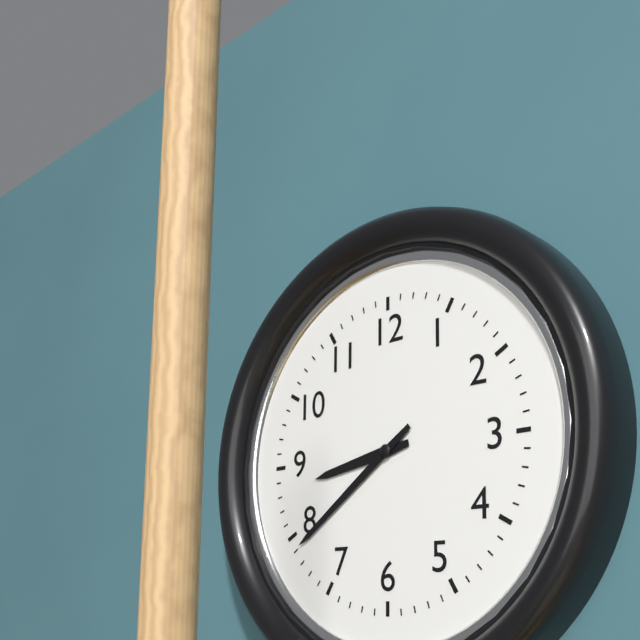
8:39
